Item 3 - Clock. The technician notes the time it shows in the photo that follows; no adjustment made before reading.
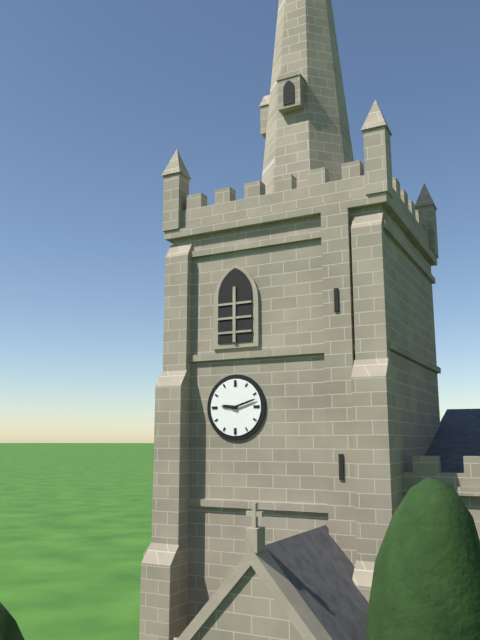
9:12
